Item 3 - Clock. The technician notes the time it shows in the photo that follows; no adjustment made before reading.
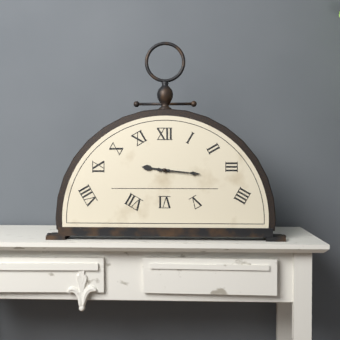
9:16
